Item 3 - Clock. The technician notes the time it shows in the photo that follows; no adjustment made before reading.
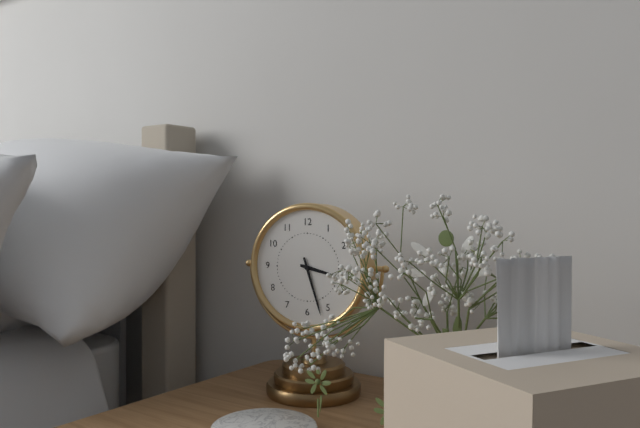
3:27
